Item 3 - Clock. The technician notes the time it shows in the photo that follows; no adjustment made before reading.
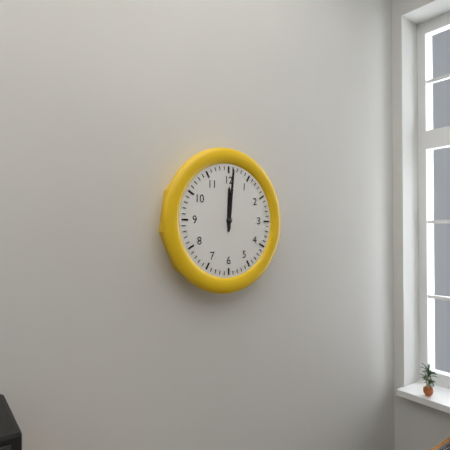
12:01
